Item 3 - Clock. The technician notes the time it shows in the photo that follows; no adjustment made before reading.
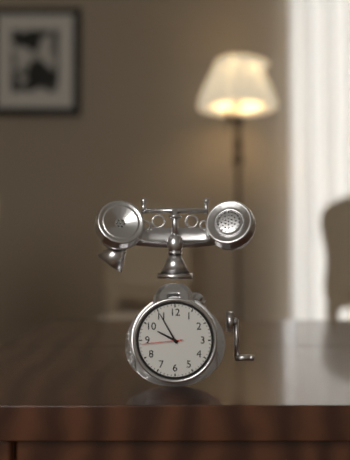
9:55
